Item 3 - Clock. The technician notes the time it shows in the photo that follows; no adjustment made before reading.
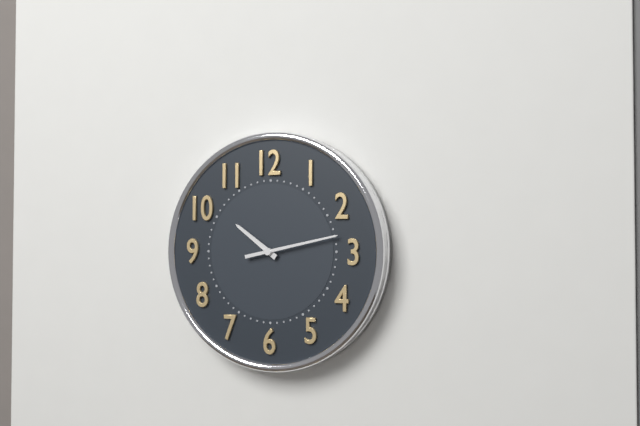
10:13
